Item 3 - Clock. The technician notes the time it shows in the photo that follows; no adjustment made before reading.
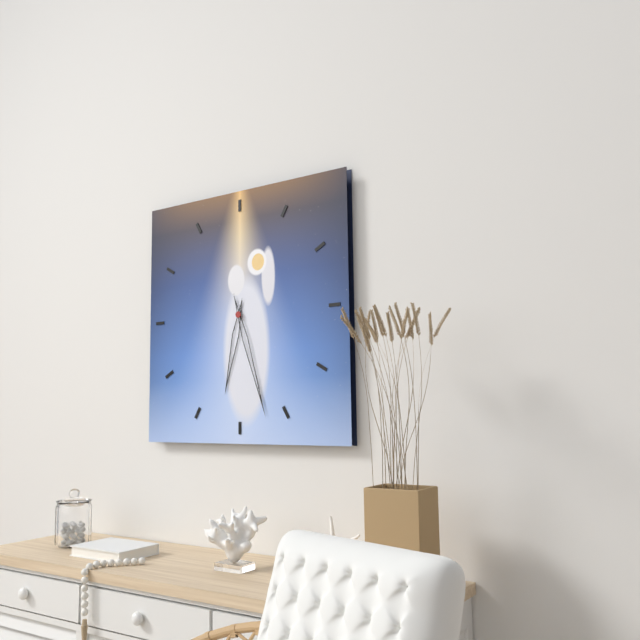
6:27
